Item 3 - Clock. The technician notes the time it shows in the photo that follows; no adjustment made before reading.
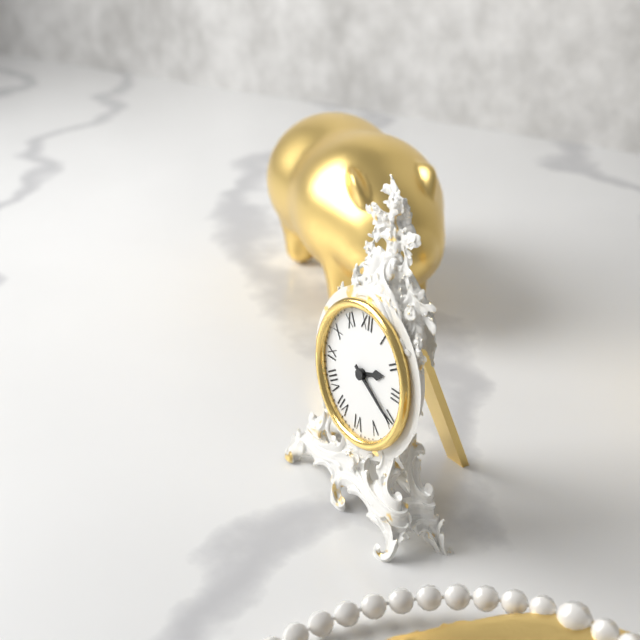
2:20
